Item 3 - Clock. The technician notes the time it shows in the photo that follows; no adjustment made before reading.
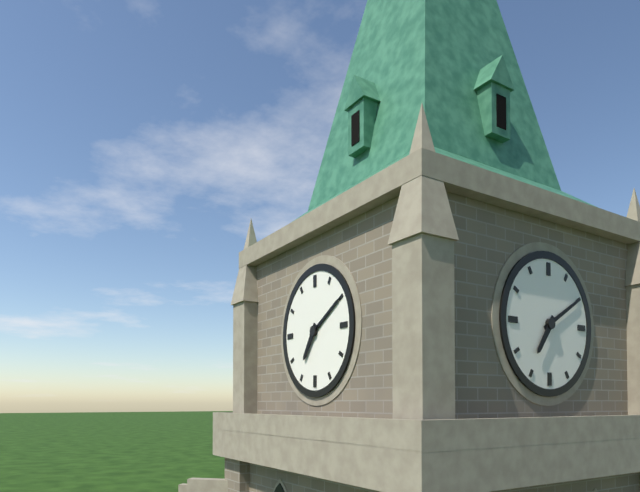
7:10
